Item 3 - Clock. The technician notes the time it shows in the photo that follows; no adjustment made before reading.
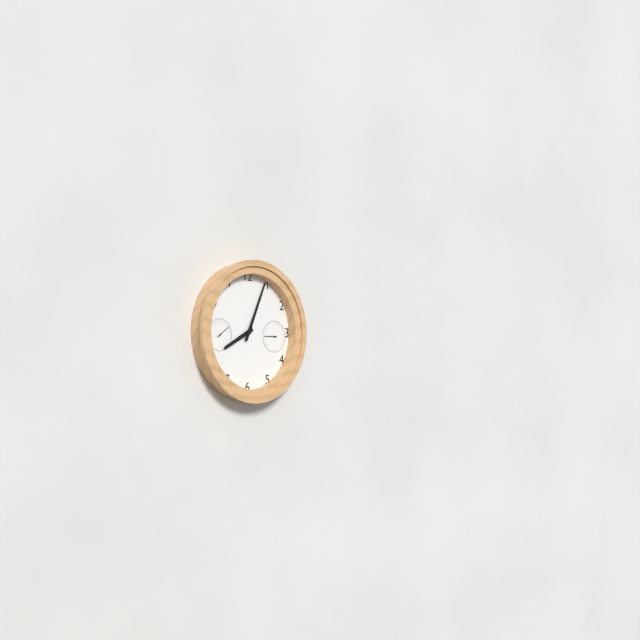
8:04
